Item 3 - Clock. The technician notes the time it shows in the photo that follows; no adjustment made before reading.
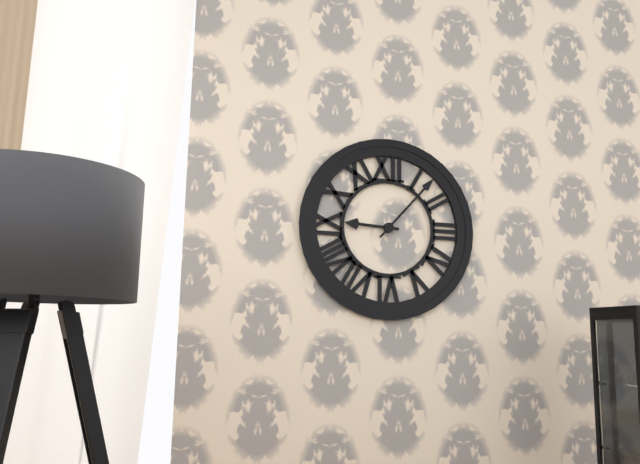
9:07
